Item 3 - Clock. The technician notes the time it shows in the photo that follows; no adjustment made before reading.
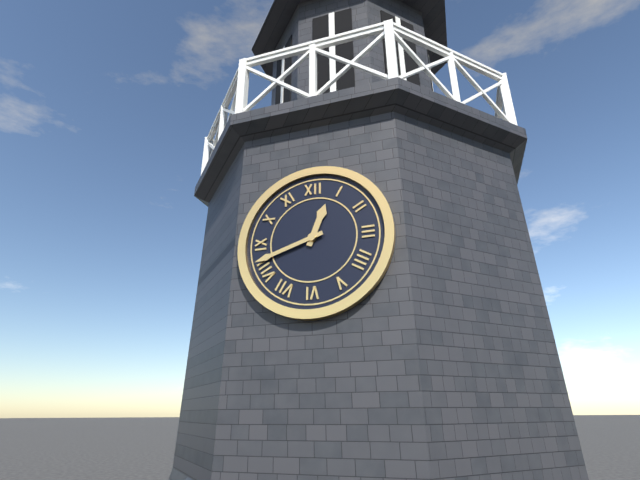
12:42
